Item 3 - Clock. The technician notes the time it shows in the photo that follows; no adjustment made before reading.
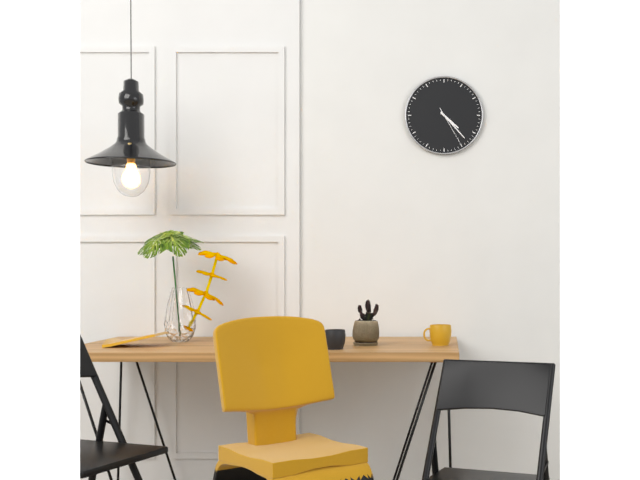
4:23
